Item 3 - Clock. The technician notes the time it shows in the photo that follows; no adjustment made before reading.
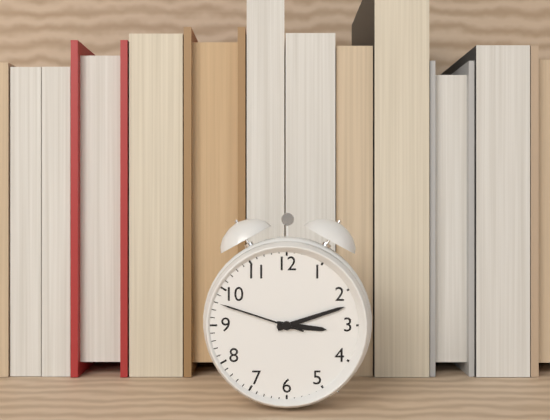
3:12:48
